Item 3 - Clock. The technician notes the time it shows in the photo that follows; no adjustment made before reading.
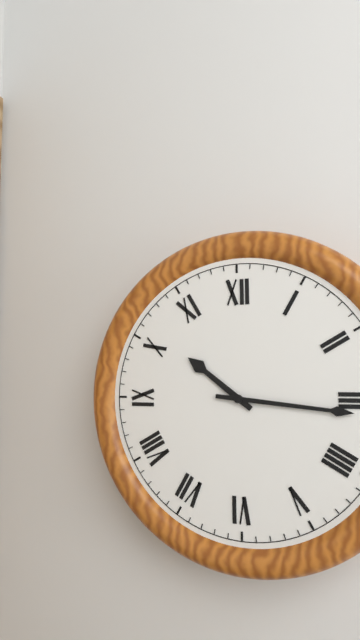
10:16
